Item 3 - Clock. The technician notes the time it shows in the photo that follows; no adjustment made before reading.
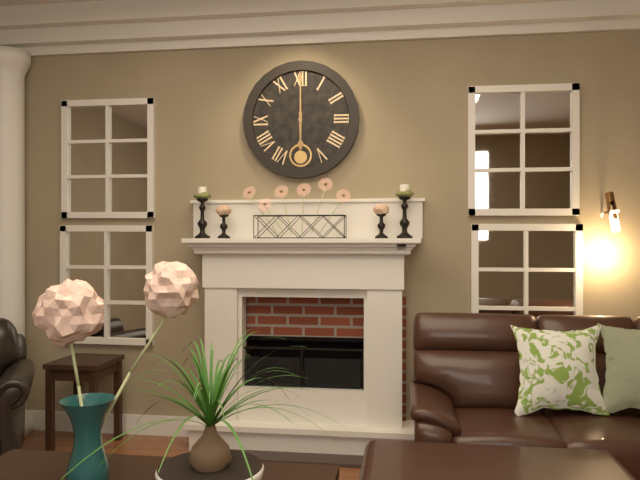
6:00
